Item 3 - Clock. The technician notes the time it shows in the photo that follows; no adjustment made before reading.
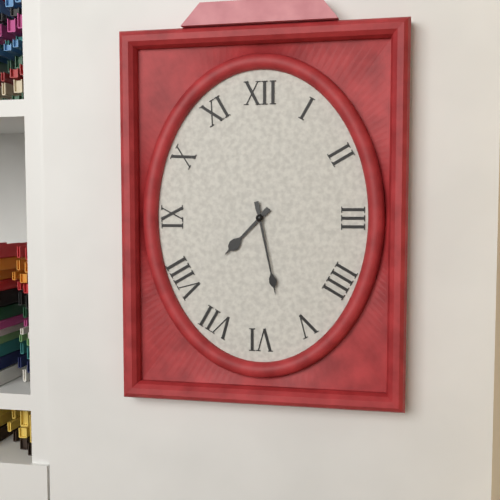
7:28
